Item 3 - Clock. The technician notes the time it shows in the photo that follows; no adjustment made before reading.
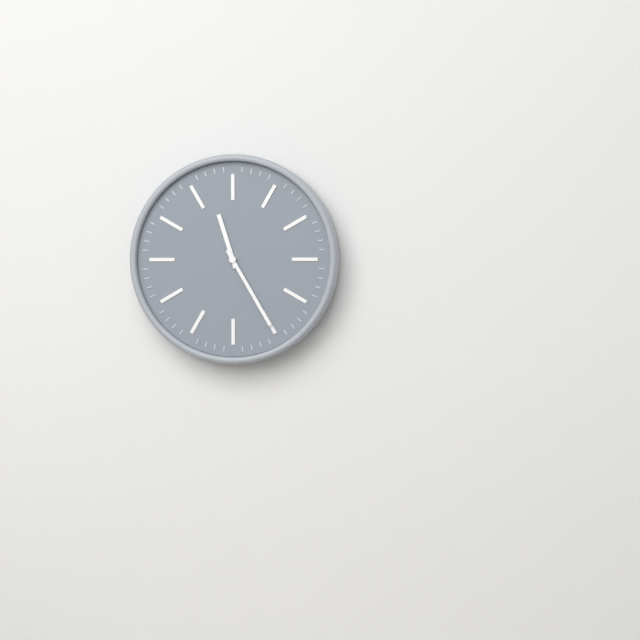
11:25
